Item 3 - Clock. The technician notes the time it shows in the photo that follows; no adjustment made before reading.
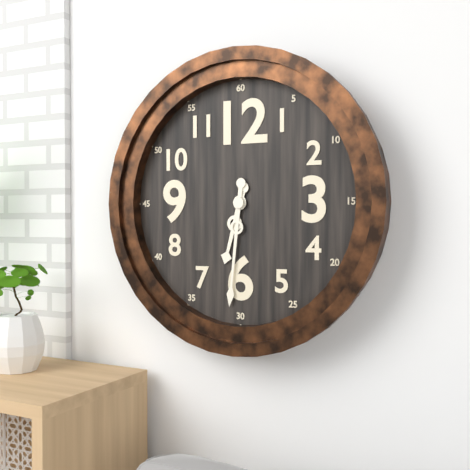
6:31
